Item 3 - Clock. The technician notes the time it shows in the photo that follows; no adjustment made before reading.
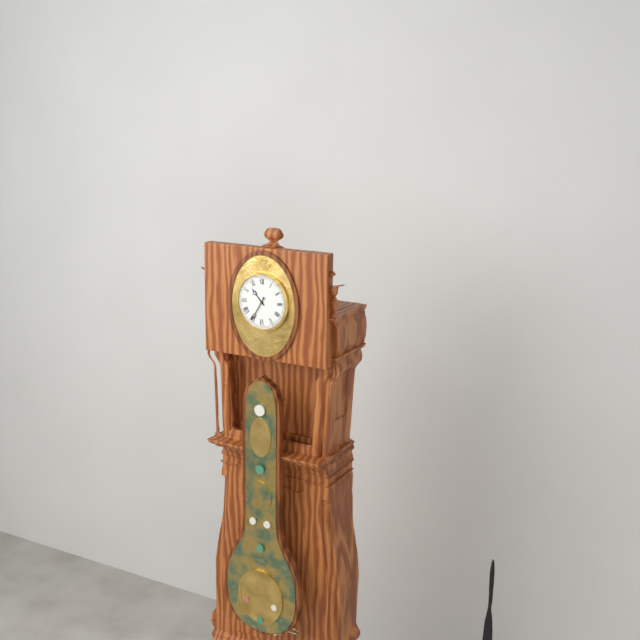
10:35
